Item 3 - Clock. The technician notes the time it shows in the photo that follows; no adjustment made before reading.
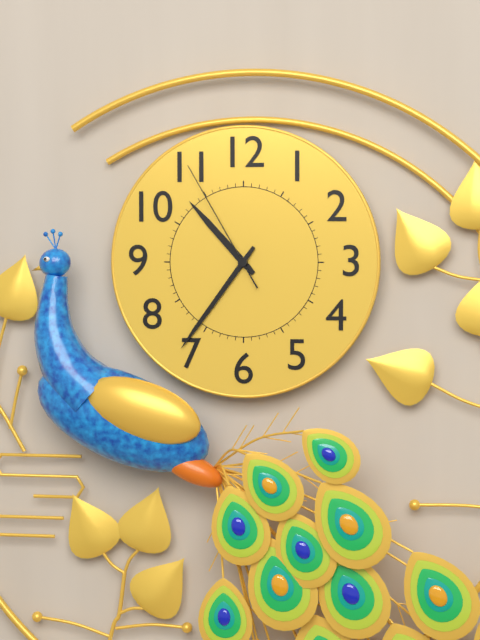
10:36:55
